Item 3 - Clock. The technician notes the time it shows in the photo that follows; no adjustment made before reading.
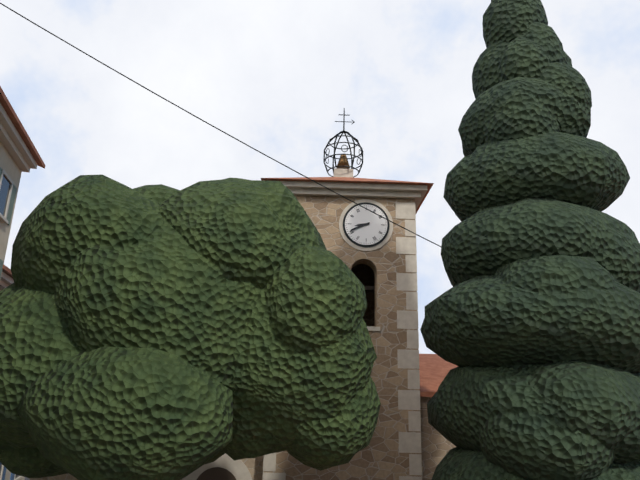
8:41
